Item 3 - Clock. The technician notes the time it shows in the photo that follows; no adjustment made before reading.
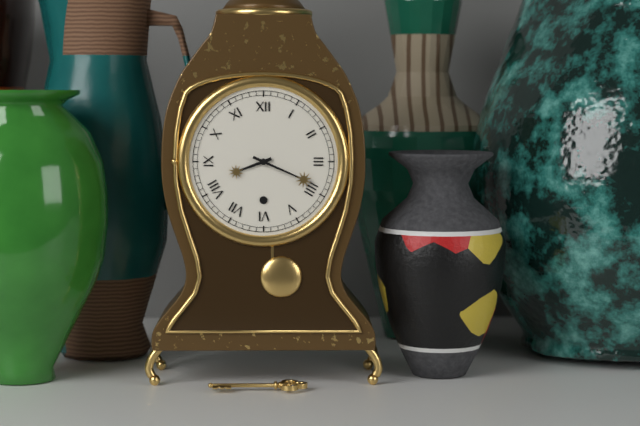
8:19
